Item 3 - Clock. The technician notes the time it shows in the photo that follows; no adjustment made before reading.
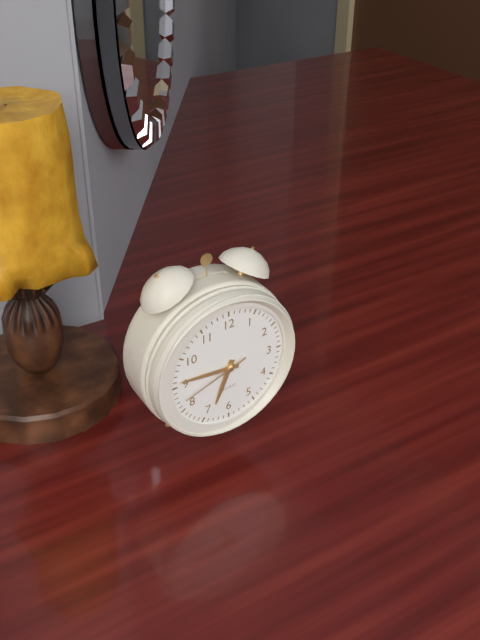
6:46:42
